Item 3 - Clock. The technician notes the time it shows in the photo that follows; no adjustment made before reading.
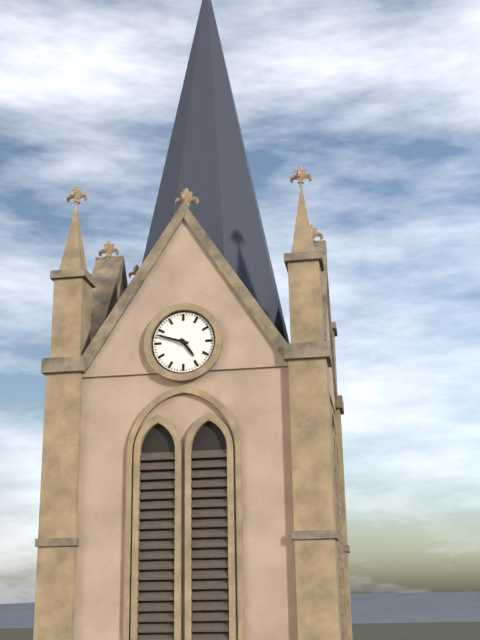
4:48
